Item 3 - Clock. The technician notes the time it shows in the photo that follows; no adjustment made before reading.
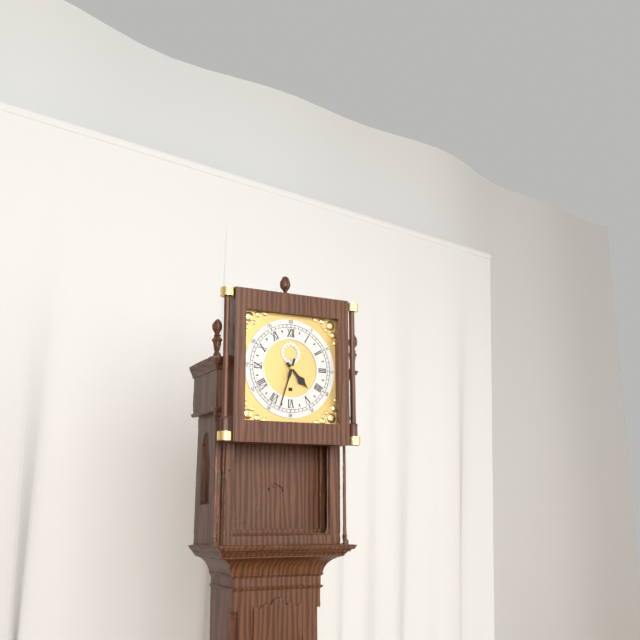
4:33
